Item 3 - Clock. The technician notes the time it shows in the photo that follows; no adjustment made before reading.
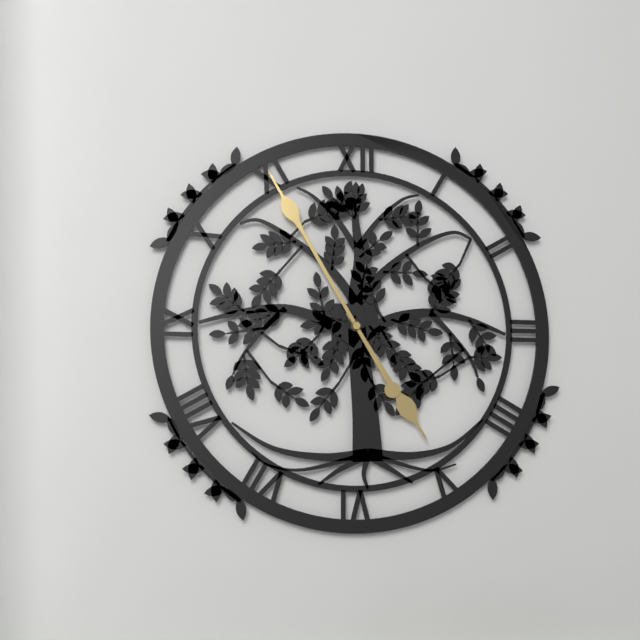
4:55
